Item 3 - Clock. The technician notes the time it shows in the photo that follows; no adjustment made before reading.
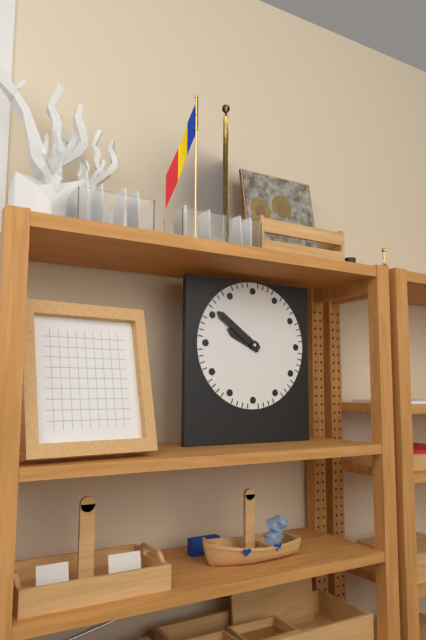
9:51
